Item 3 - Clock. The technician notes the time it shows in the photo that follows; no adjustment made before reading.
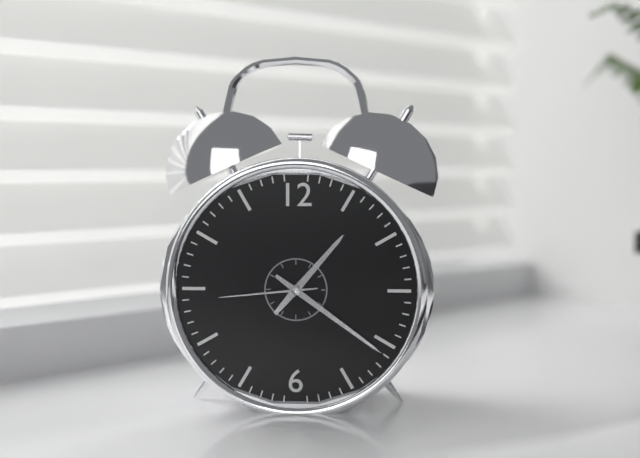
1:21:44
